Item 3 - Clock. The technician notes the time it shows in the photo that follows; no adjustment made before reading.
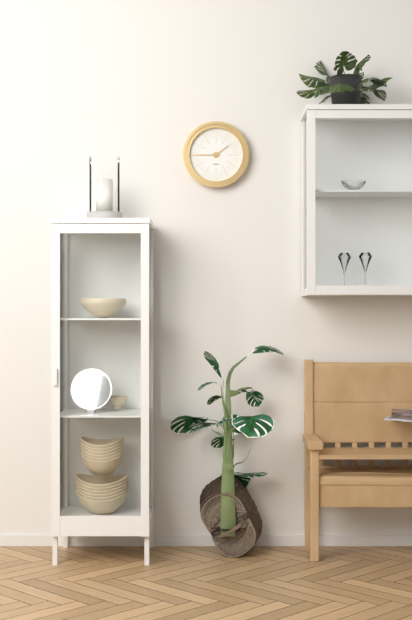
1:45
